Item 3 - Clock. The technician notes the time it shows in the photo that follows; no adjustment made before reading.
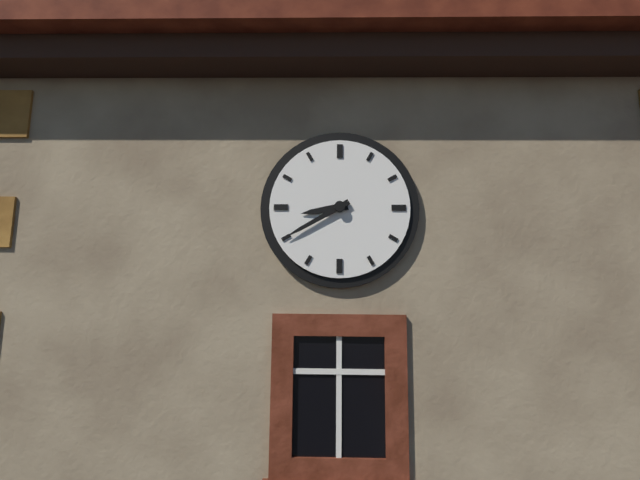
8:40
